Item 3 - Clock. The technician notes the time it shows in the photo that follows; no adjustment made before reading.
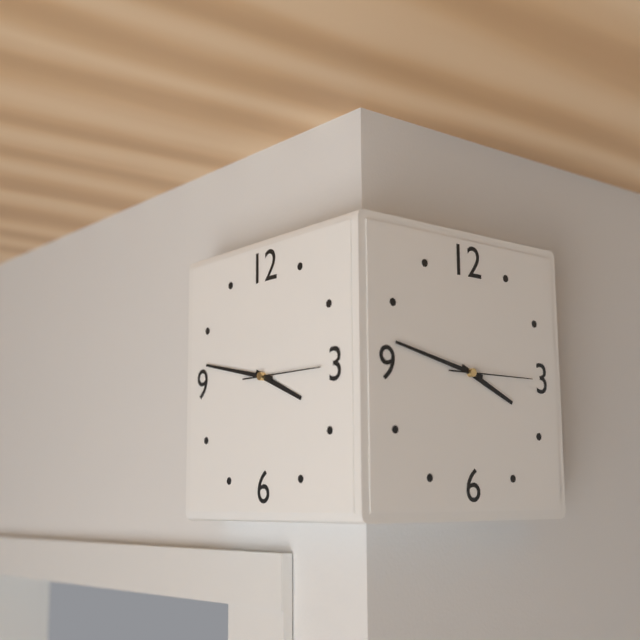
3:47:15
